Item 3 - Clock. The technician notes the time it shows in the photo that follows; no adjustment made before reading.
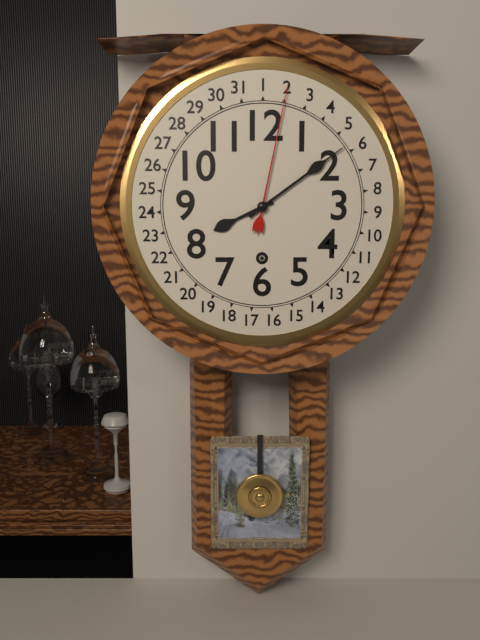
8:09
